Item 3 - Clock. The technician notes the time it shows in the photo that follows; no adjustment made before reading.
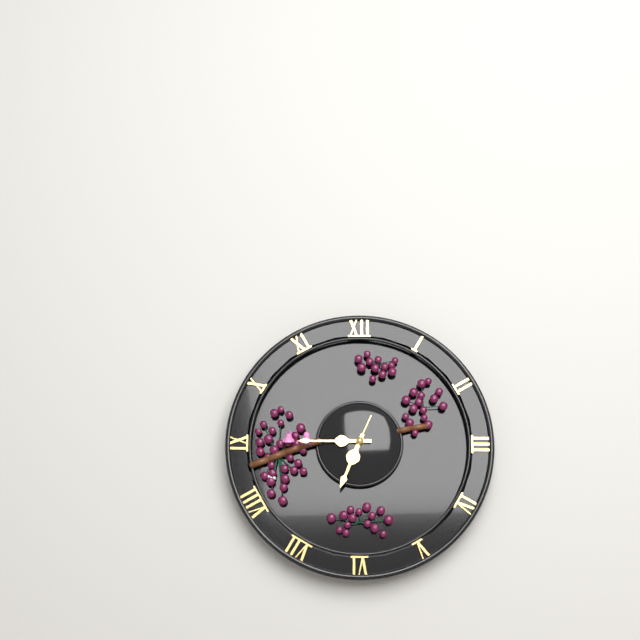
6:45
